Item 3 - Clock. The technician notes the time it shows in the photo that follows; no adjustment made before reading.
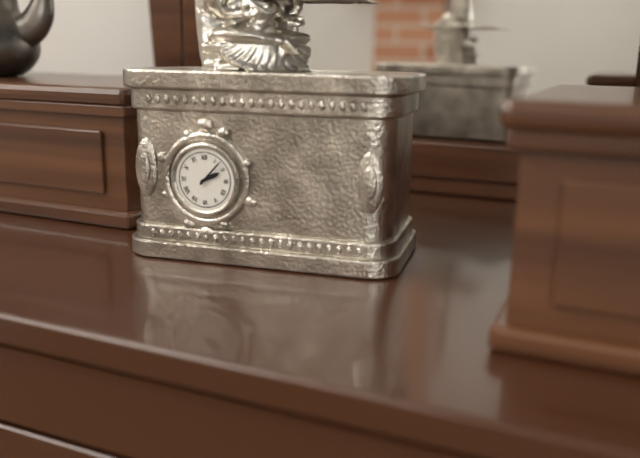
2:07
